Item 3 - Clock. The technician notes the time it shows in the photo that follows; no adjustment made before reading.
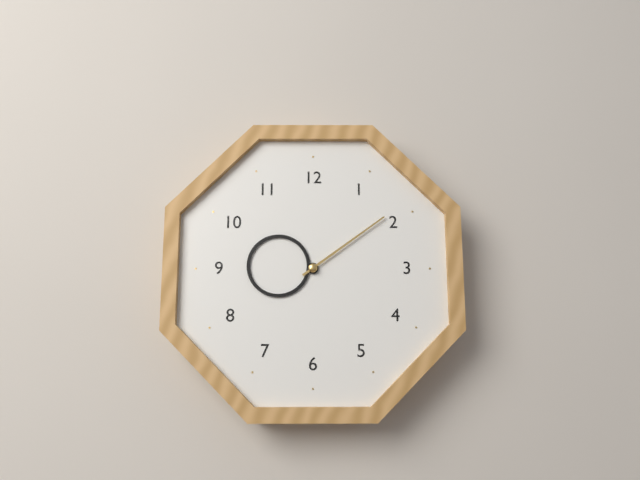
9:09
